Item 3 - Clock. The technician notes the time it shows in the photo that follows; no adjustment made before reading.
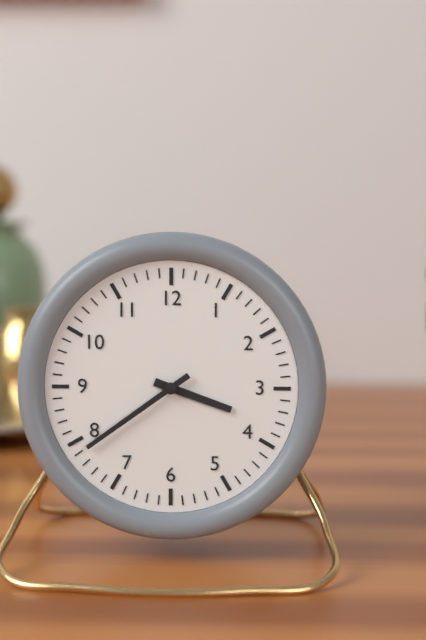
3:39
